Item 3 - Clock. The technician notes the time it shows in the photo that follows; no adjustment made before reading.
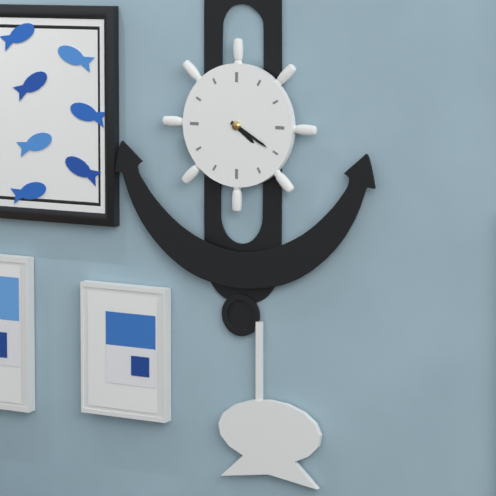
4:20
